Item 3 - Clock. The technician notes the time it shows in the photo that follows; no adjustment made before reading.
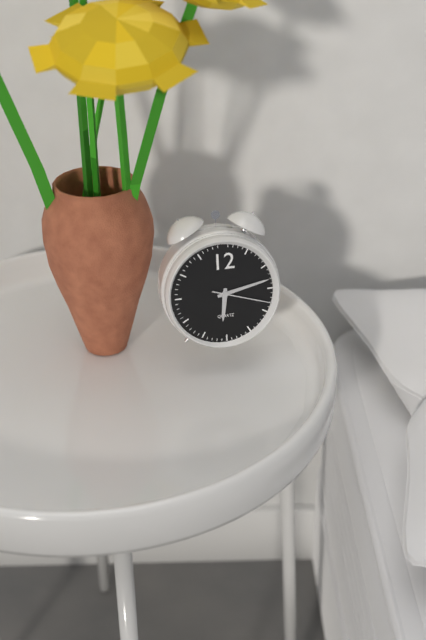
6:13:18
